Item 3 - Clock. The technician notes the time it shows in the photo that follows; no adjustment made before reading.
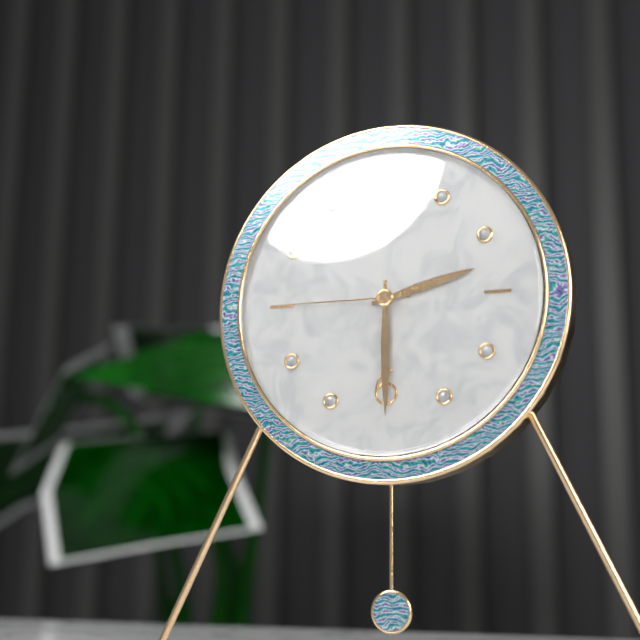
2:30:45
